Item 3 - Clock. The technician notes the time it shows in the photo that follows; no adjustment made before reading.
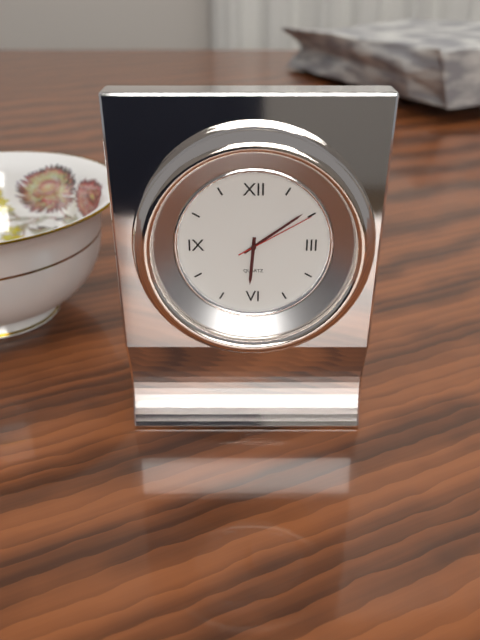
6:09:10
